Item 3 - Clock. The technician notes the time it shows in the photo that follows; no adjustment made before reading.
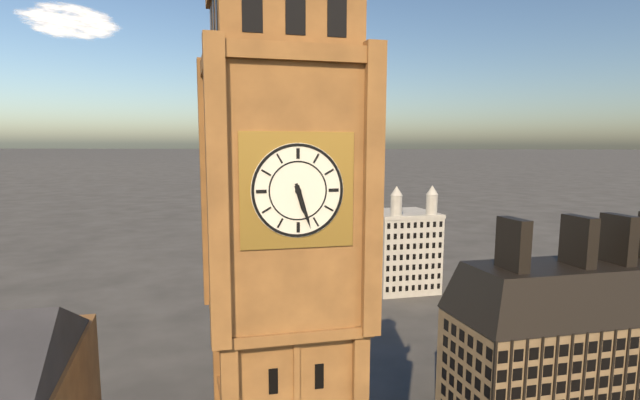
5:27
